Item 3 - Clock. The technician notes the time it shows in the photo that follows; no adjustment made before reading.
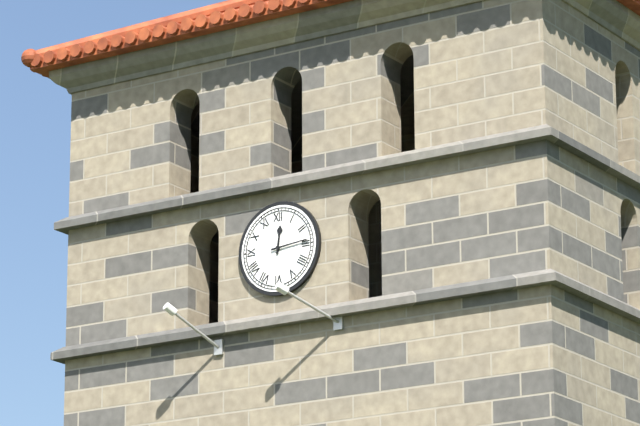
12:14
